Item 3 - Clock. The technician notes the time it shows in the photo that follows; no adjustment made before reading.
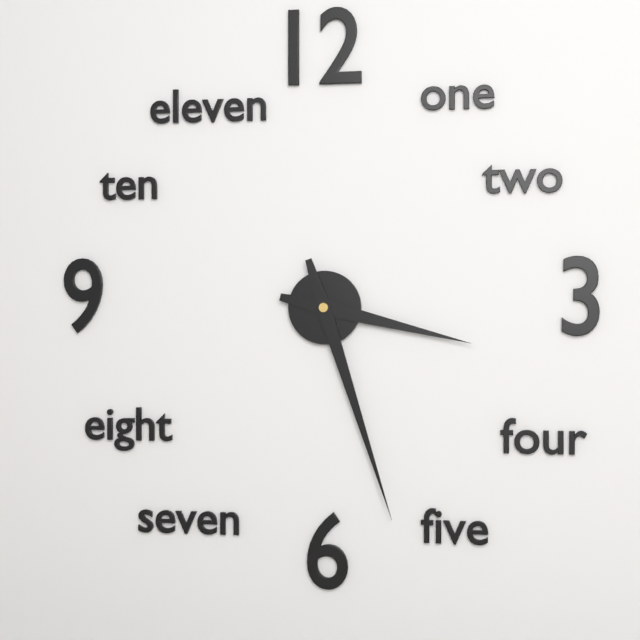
3:27
